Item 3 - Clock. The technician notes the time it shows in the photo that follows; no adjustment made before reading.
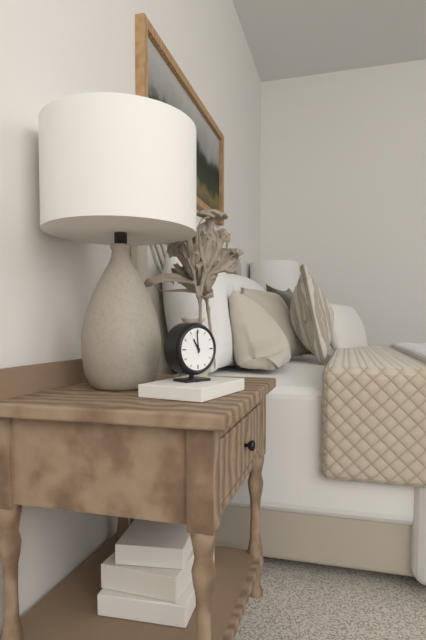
10:59
